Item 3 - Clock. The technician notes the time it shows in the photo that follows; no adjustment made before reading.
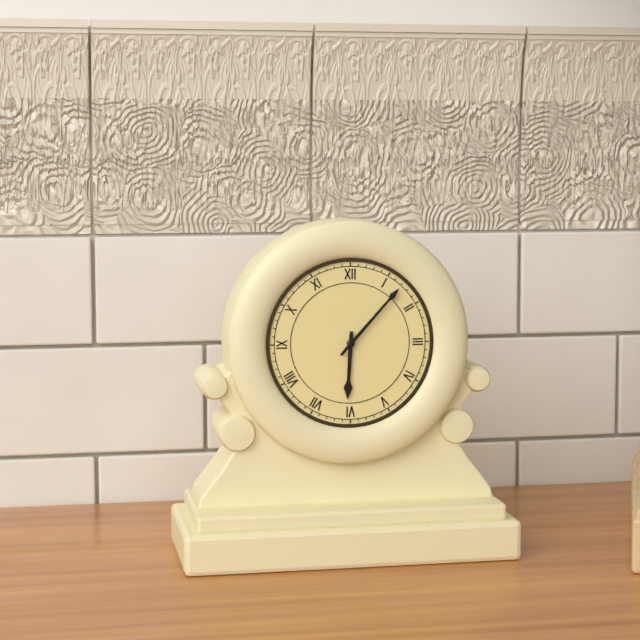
6:07
